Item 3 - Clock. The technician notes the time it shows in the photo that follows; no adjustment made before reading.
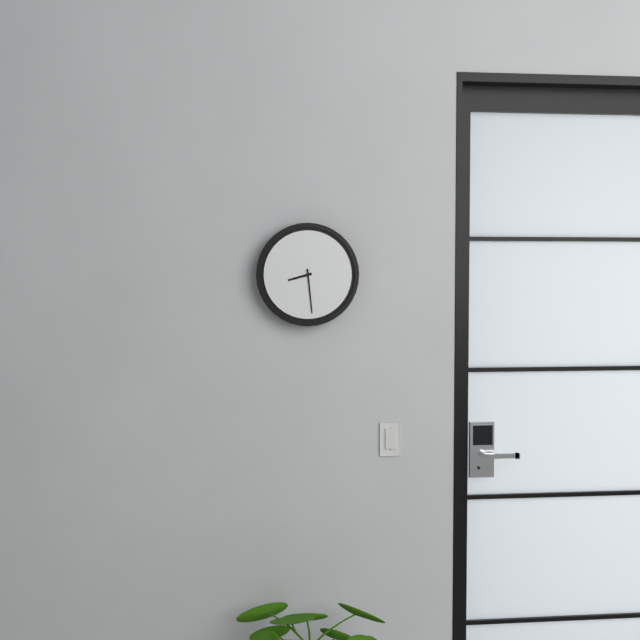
8:29
